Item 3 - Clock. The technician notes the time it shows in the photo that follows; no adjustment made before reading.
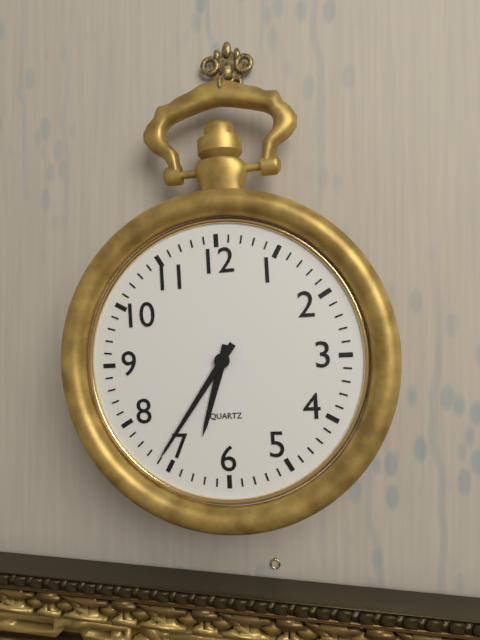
6:36
